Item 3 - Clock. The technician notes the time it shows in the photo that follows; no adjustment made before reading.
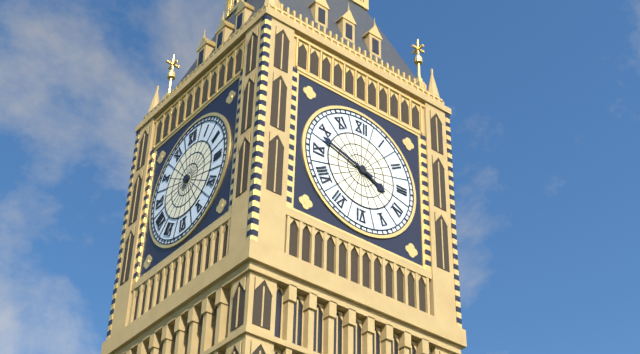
3:48
